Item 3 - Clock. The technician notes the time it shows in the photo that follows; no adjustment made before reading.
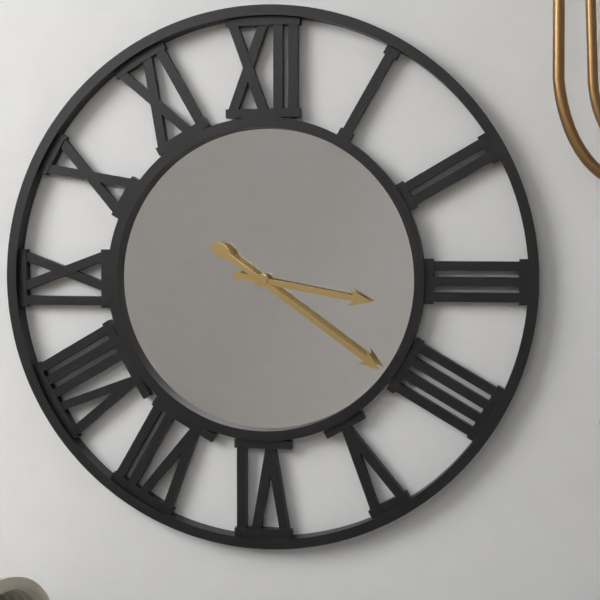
3:21
